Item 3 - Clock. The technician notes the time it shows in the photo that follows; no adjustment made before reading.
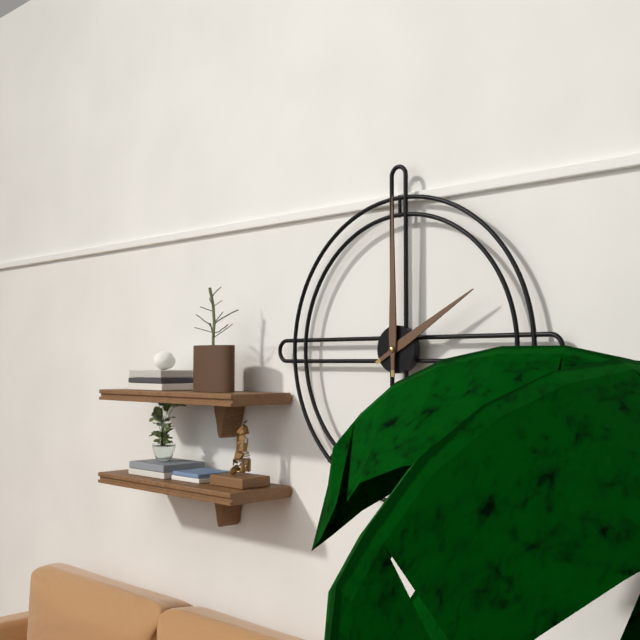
2:00
